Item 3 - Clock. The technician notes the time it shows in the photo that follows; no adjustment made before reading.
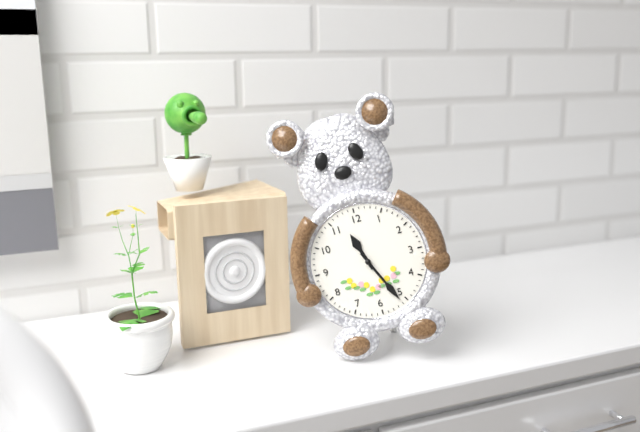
11:26
